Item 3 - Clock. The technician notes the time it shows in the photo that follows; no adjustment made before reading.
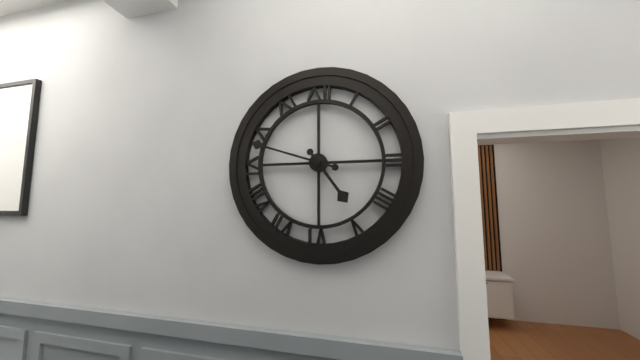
4:48
